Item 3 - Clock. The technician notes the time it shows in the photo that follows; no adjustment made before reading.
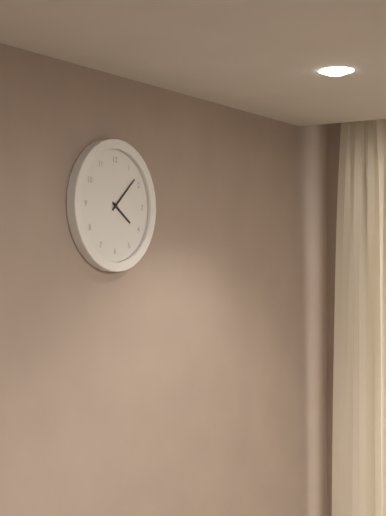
4:08
